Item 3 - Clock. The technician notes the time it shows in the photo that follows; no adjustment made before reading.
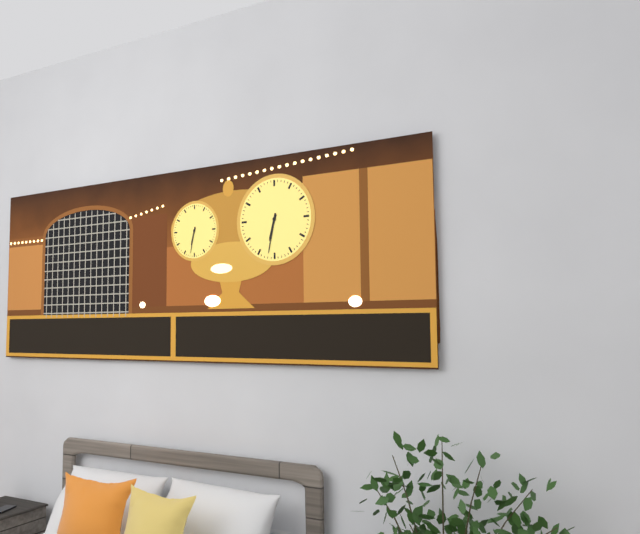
6:32
